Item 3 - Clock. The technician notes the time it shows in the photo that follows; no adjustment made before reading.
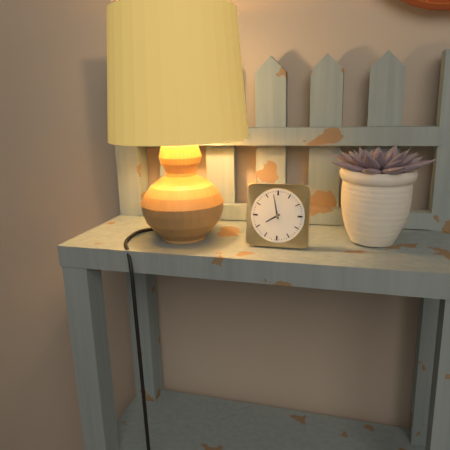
7:58
